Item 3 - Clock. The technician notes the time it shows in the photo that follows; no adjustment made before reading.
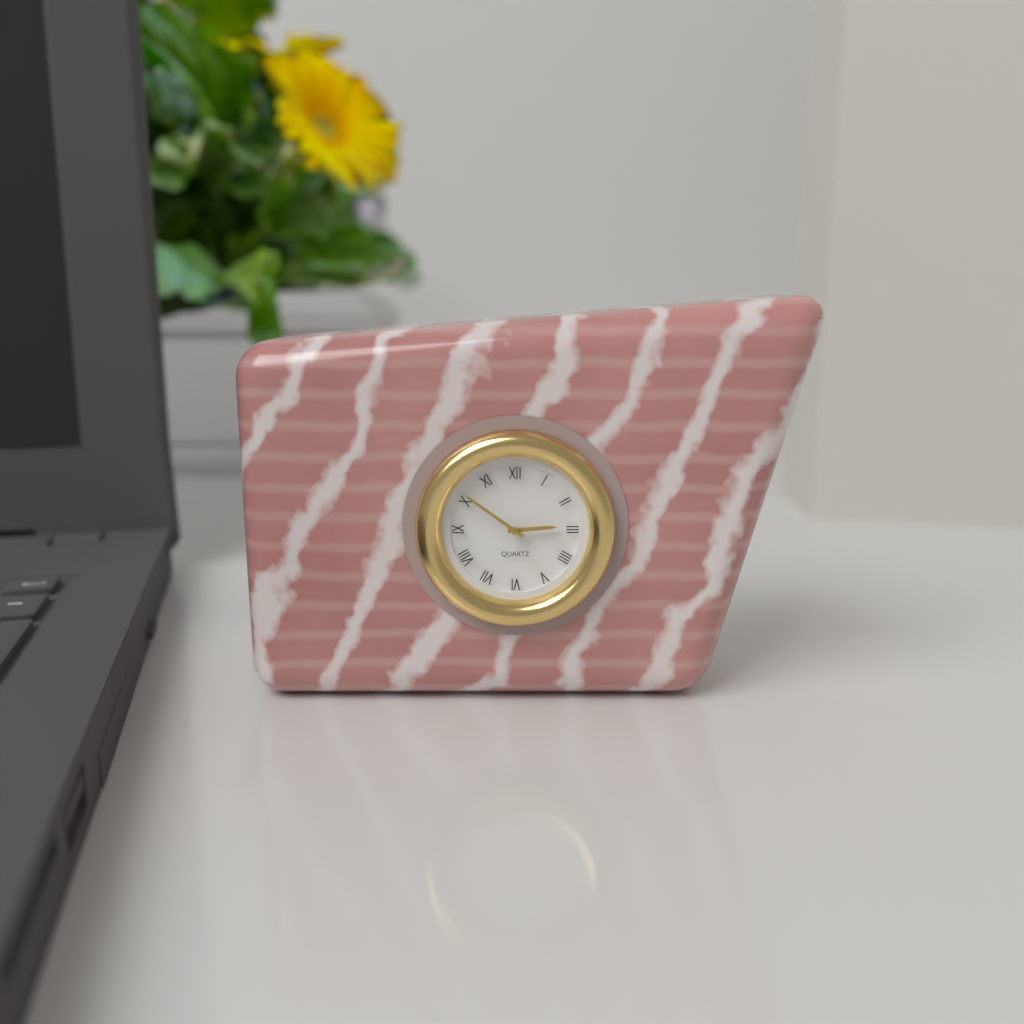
2:51
